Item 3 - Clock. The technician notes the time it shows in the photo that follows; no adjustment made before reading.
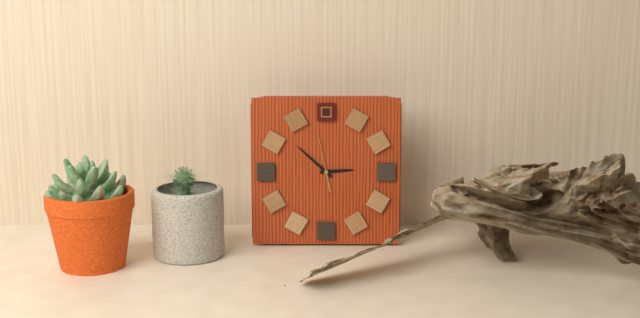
2:52:58
